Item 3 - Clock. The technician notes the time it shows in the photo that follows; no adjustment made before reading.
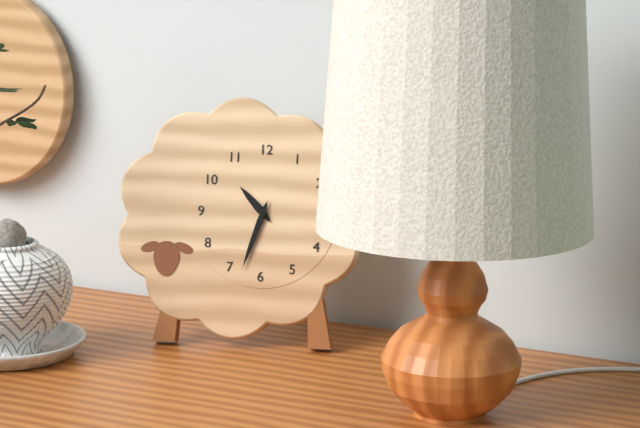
10:33
